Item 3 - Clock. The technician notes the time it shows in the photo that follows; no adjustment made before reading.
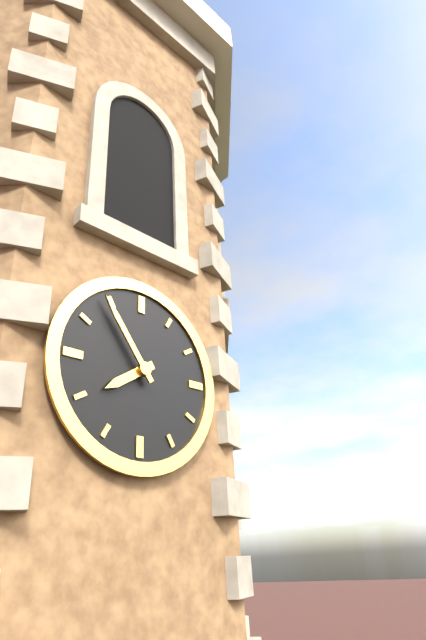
7:54
